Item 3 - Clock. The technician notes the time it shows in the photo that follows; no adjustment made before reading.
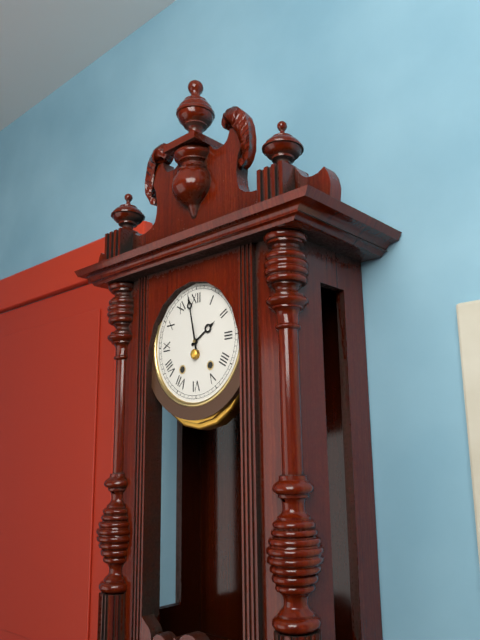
1:58
